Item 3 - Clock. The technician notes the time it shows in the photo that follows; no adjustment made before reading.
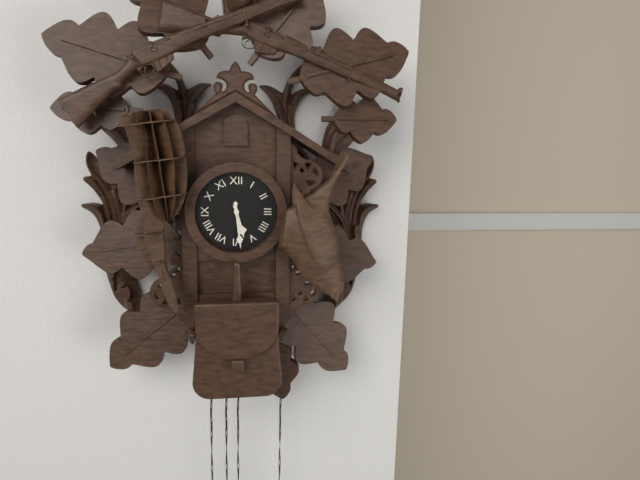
5:29
